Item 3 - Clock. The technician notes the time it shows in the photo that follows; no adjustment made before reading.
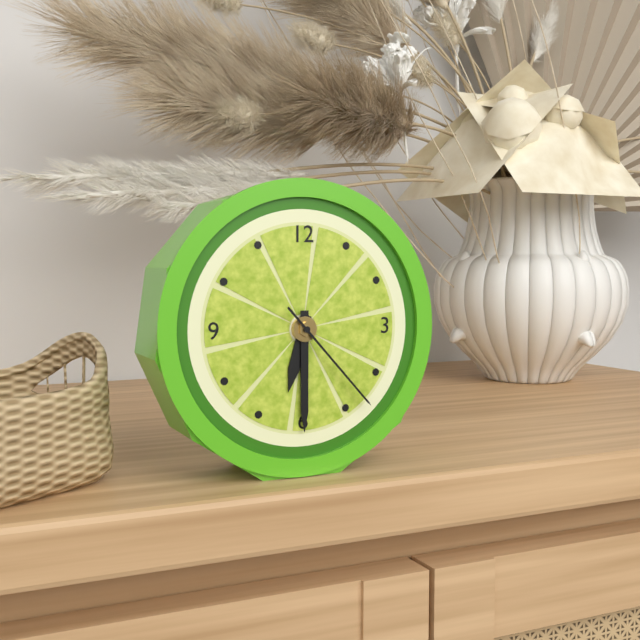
6:30:23
